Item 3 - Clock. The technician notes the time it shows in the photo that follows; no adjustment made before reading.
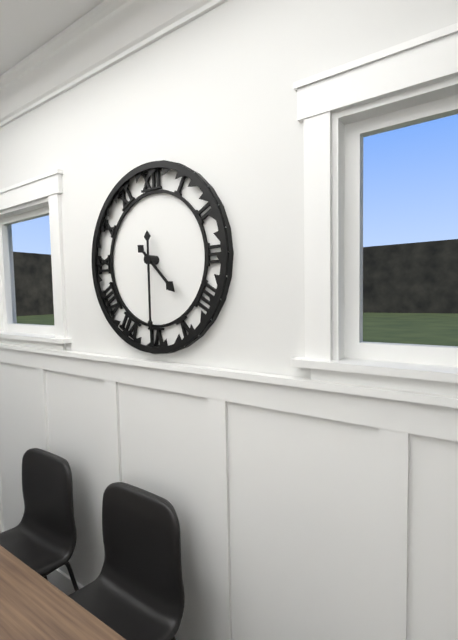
4:30
